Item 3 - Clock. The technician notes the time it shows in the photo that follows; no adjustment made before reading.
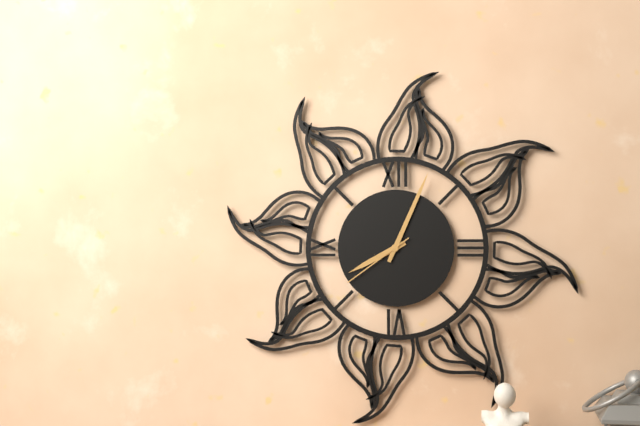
8:04:39
